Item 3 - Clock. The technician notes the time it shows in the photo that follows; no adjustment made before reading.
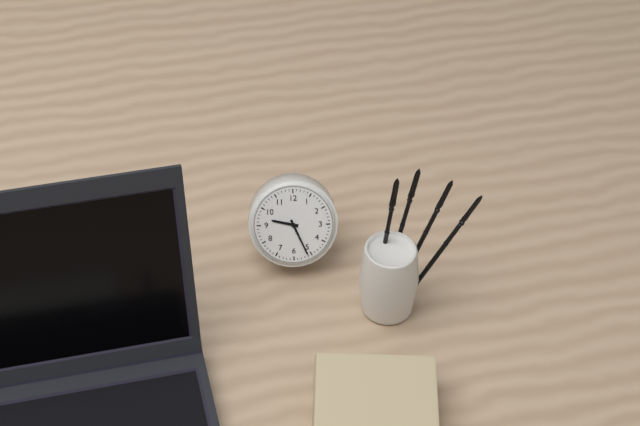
9:26
